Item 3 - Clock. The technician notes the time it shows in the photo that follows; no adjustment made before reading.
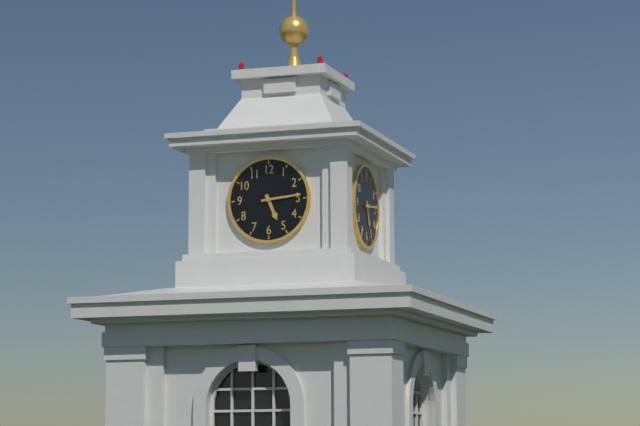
5:14
